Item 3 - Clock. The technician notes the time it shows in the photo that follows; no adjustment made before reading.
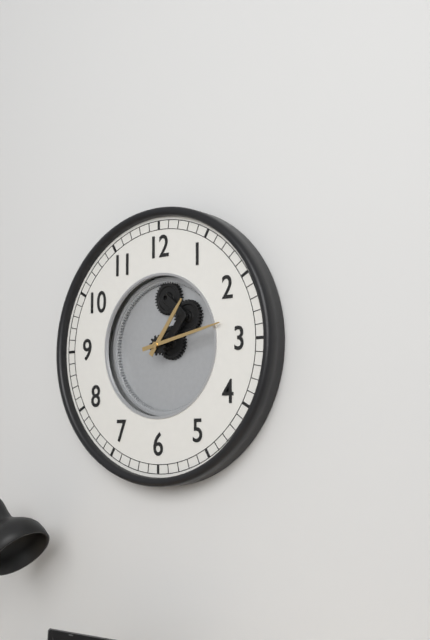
1:13
